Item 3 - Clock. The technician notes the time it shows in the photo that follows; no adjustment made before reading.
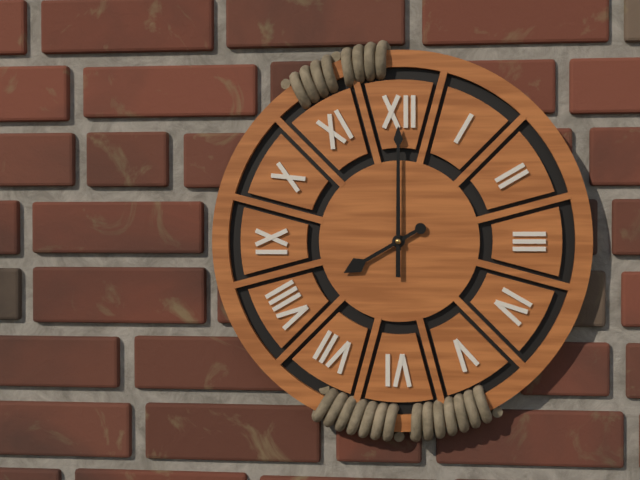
8:00
